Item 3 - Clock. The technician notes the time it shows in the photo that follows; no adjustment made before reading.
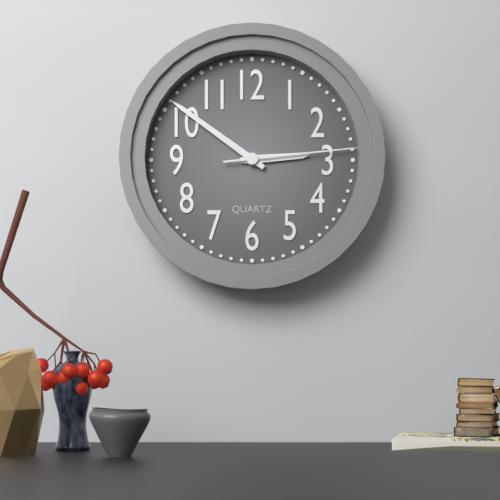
2:51:14
